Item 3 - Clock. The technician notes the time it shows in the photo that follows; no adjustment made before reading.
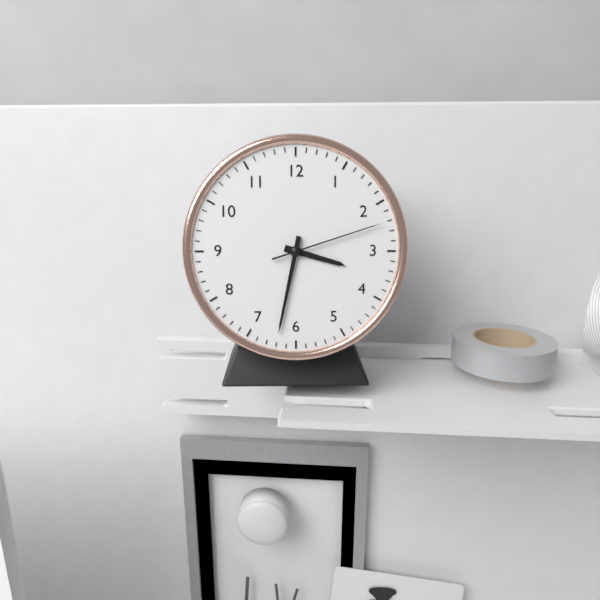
3:32:12
